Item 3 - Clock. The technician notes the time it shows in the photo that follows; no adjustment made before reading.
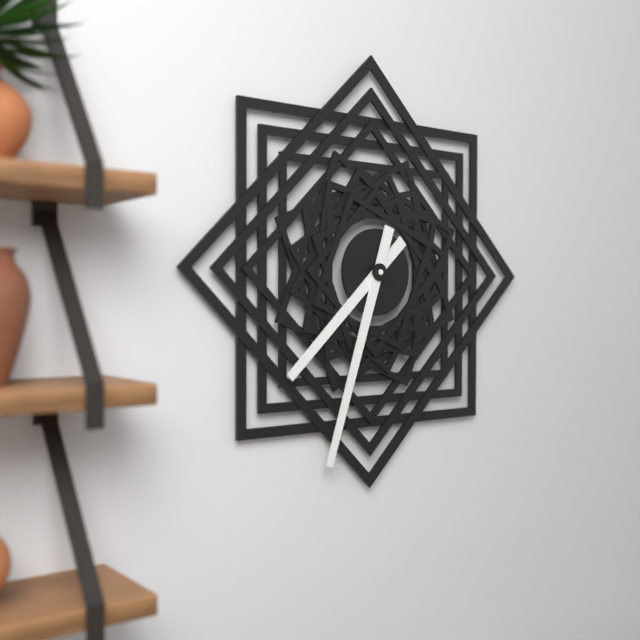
7:33
